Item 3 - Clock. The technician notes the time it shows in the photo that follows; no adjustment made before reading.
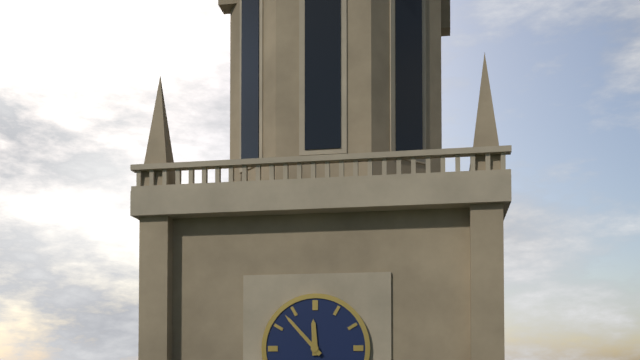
11:53
